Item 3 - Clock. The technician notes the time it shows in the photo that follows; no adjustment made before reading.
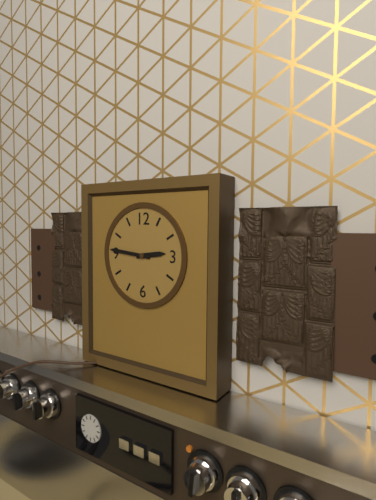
2:46
